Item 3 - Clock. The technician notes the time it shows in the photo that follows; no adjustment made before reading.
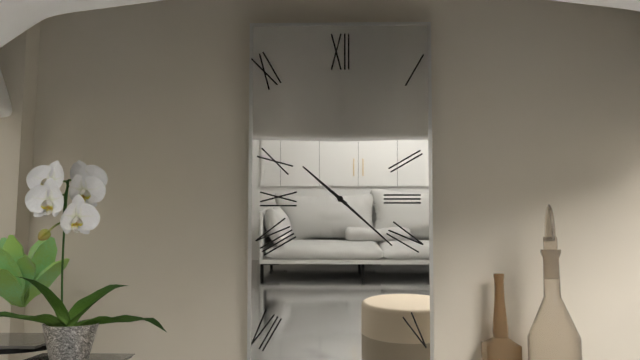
10:22
